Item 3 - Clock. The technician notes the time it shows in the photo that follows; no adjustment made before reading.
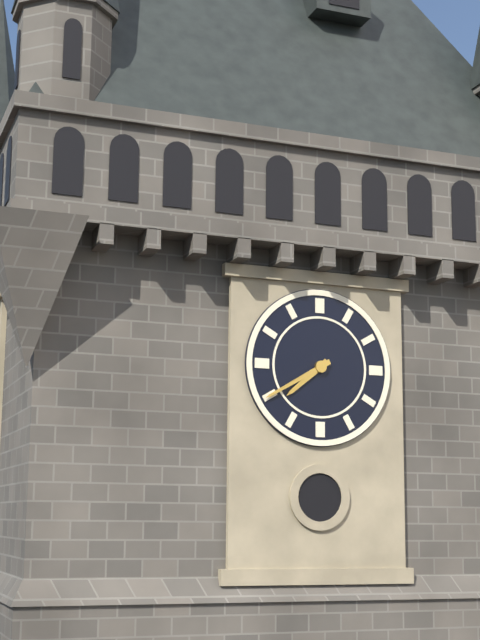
7:40
